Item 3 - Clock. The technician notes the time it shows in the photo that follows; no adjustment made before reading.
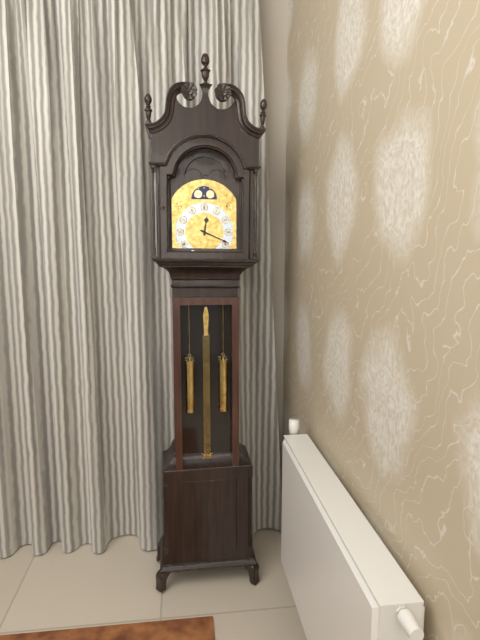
12:19
